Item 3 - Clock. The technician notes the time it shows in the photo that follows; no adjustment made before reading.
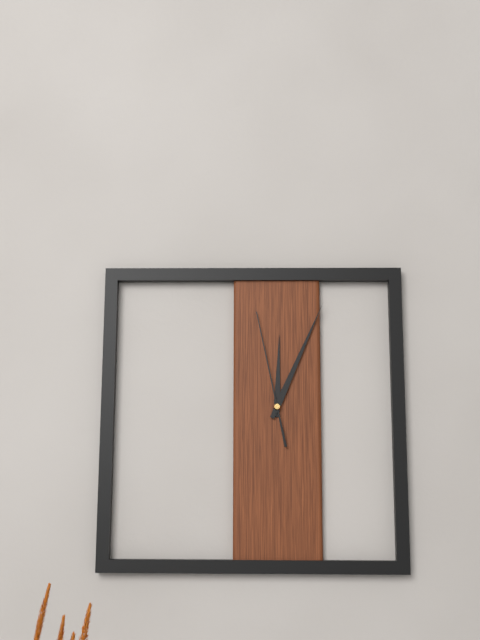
12:04:58
